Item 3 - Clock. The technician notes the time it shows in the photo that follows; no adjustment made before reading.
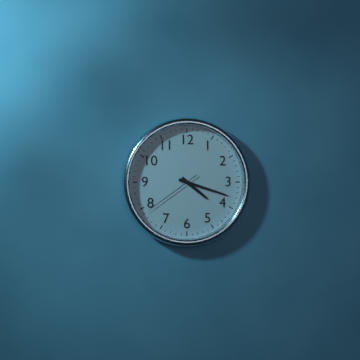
4:18:39
